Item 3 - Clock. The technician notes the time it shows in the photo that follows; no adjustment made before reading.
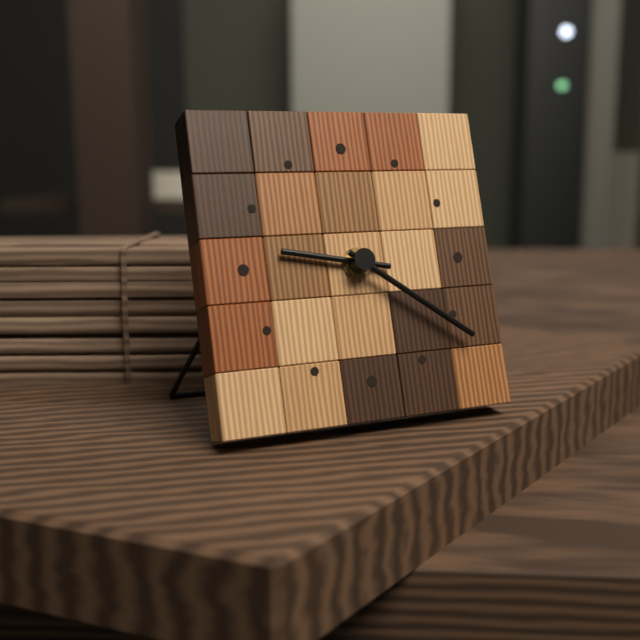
9:21
